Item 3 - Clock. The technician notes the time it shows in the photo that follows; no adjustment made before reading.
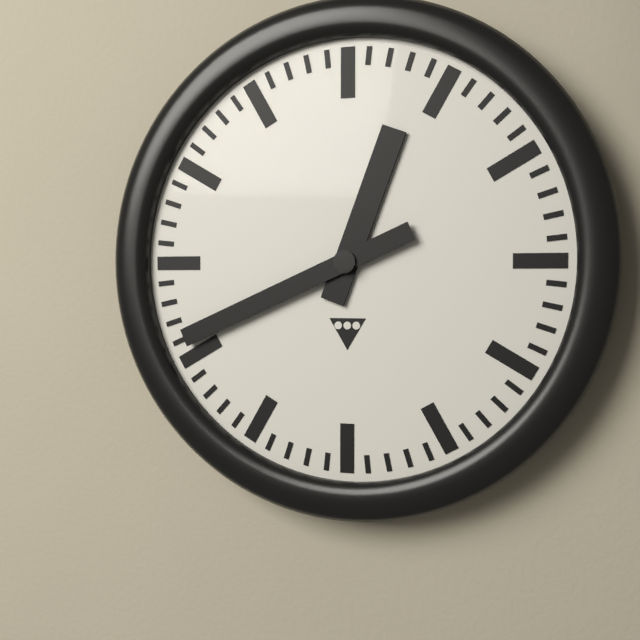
12:41
